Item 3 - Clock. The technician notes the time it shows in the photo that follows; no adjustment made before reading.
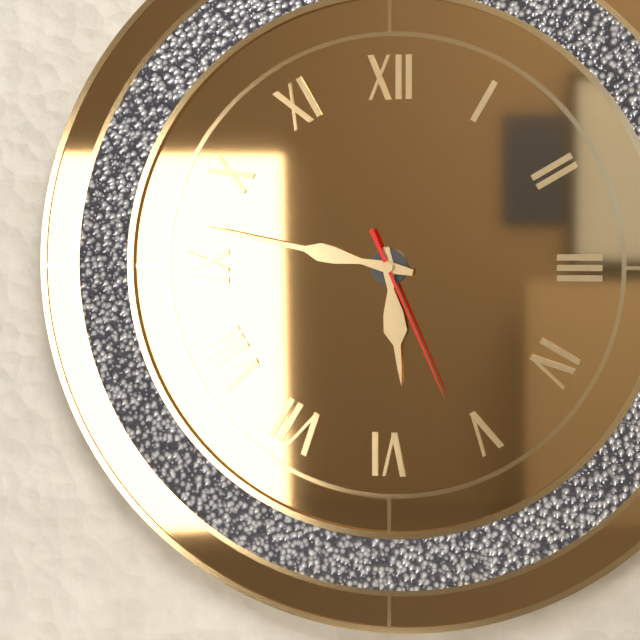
5:47:26
